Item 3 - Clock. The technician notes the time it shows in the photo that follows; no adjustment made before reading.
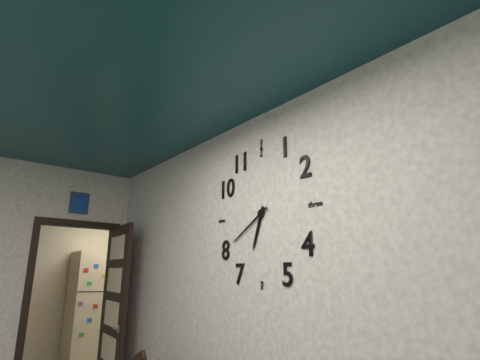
6:40
